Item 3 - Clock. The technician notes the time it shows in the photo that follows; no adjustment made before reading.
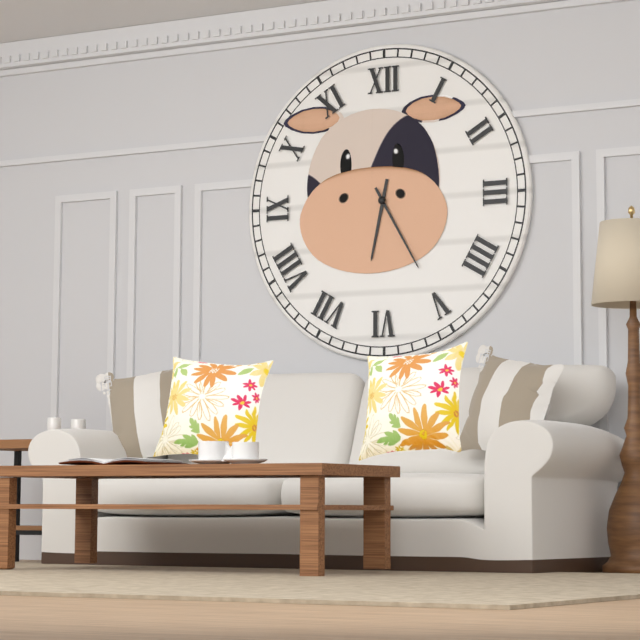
6:25
